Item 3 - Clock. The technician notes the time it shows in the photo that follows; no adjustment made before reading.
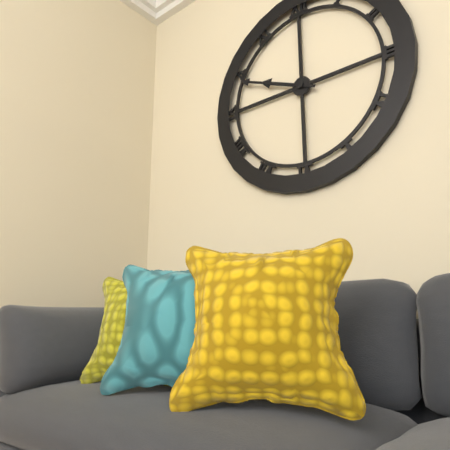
9:49
